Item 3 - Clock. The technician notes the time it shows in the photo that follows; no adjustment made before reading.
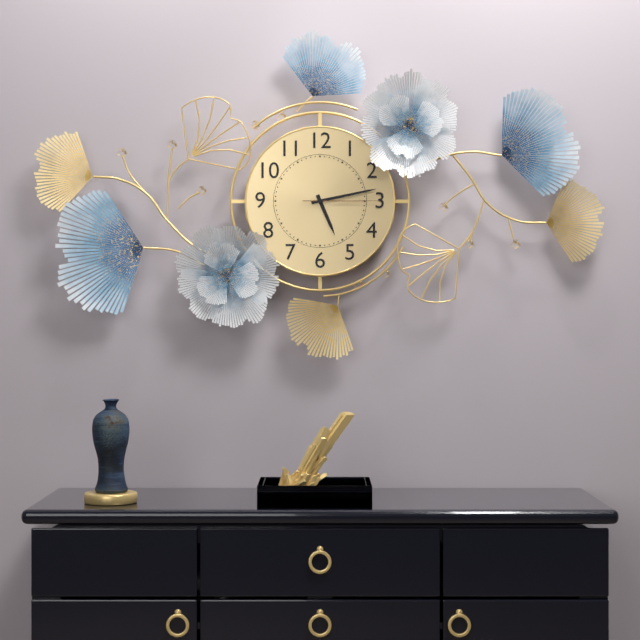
5:13:15
